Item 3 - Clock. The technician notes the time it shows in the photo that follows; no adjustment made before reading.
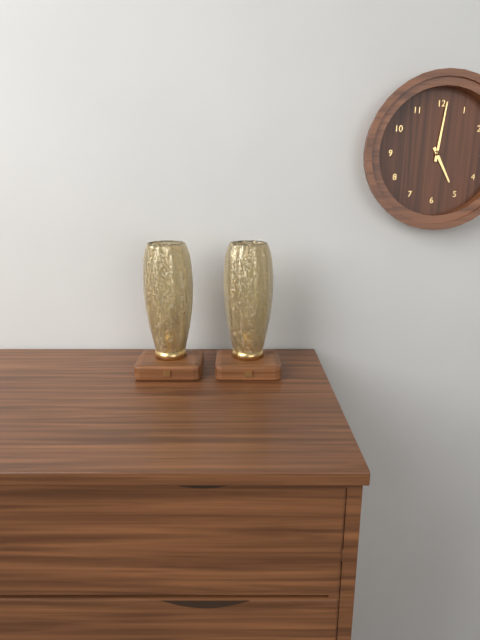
5:01
